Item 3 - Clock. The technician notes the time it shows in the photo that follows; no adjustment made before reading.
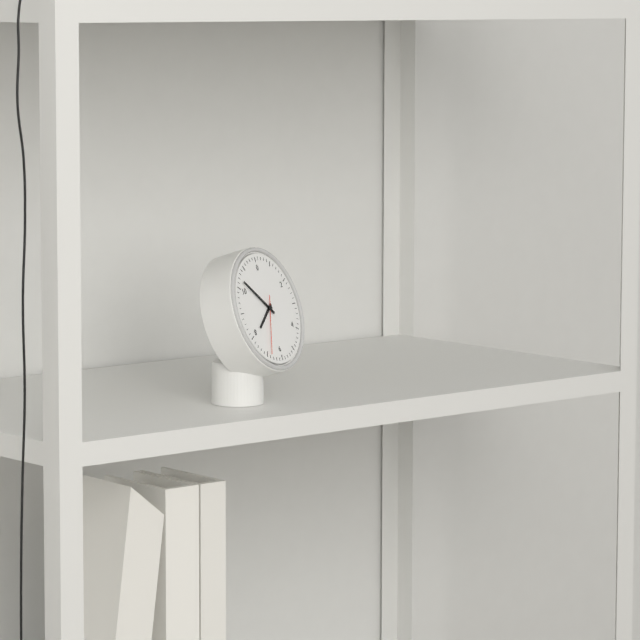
7:52:34
